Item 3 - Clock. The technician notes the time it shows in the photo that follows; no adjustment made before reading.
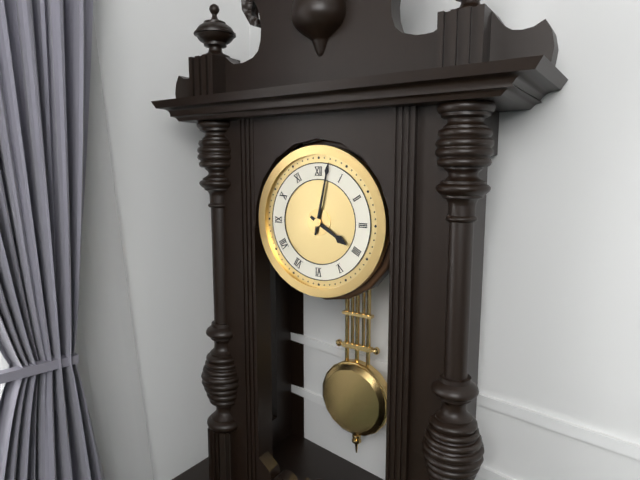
4:02
